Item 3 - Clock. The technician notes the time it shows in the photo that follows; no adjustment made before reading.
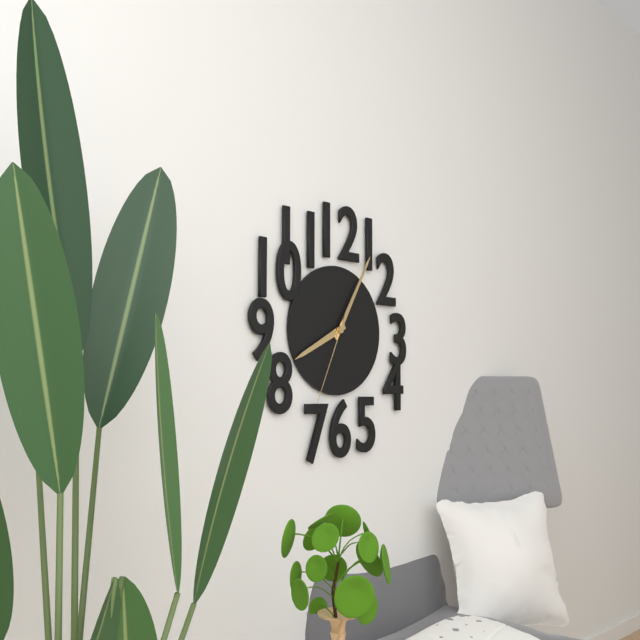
8:05:34
